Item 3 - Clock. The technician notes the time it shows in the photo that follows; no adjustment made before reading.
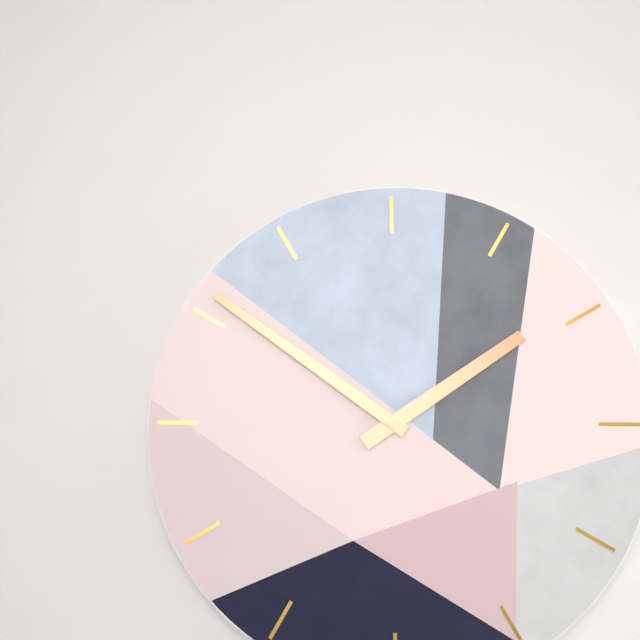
1:51
